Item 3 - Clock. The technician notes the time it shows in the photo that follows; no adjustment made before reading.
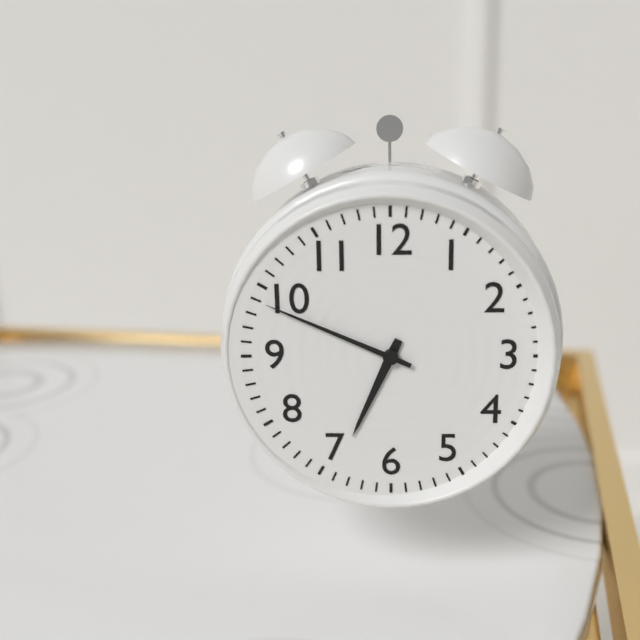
6:49
